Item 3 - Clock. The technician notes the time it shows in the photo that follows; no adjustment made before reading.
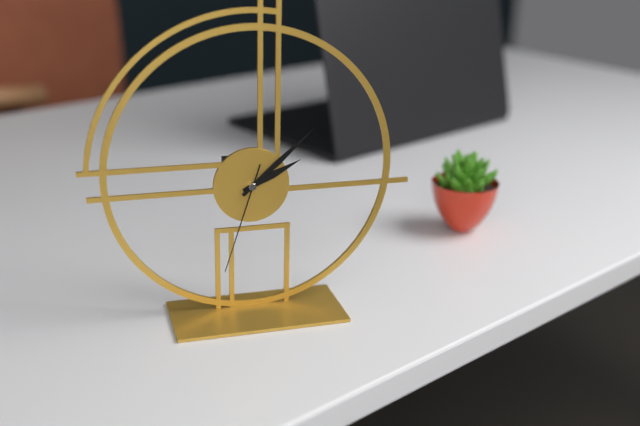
2:08:33
